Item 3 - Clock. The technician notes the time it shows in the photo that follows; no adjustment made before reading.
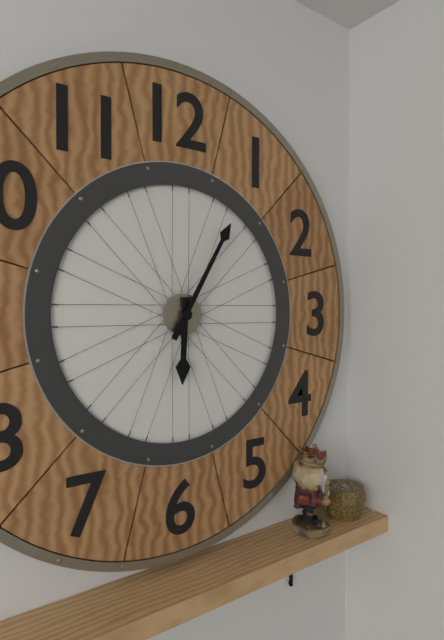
6:05
